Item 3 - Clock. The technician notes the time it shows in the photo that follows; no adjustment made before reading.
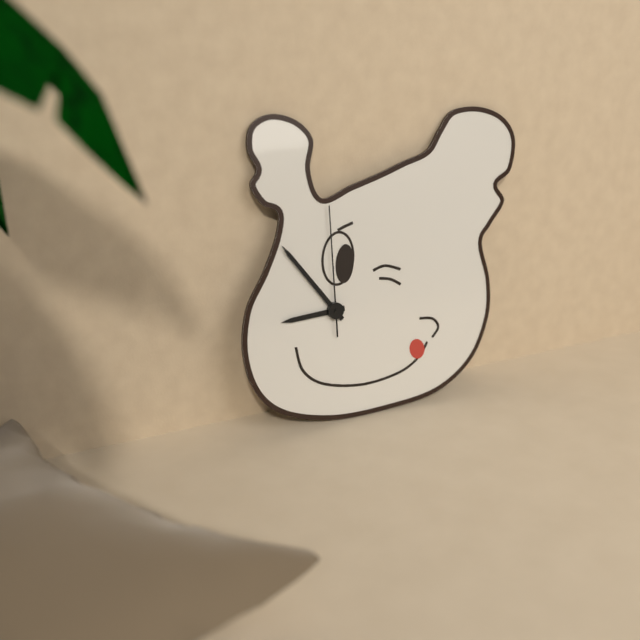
8:54:00
